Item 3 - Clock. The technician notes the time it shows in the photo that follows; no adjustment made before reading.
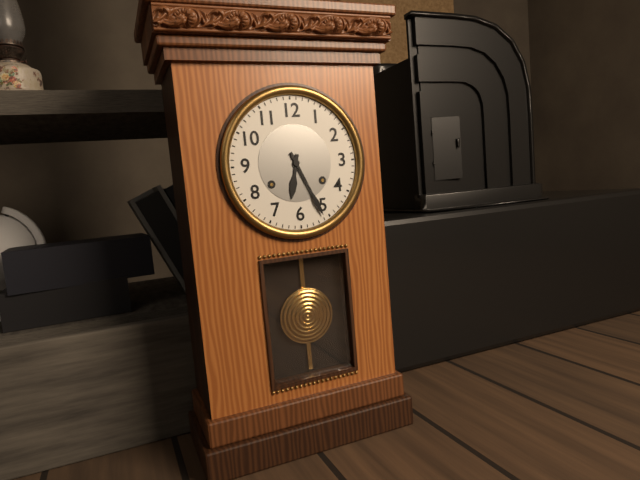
6:26
